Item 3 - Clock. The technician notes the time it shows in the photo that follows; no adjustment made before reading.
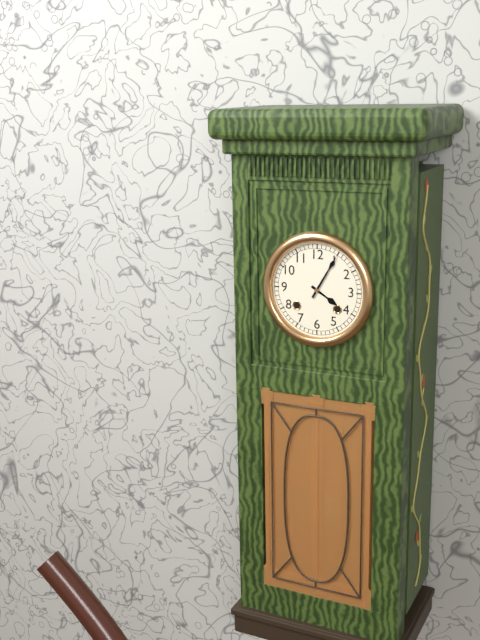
4:05
